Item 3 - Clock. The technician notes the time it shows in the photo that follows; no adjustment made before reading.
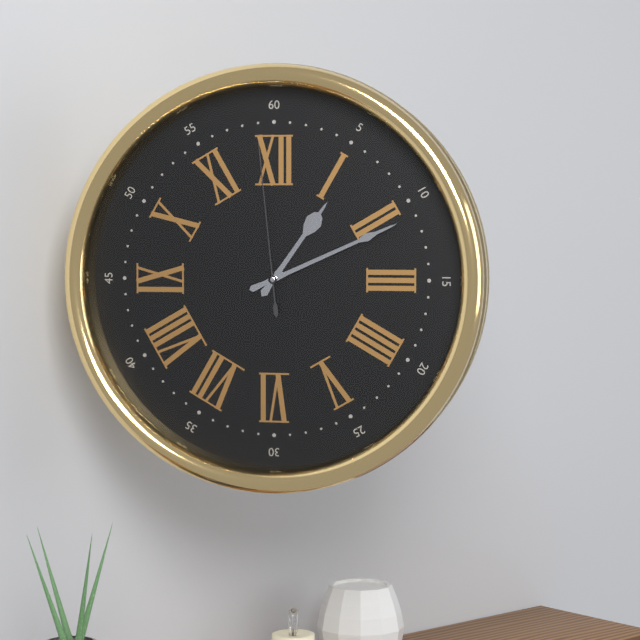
1:11:59
